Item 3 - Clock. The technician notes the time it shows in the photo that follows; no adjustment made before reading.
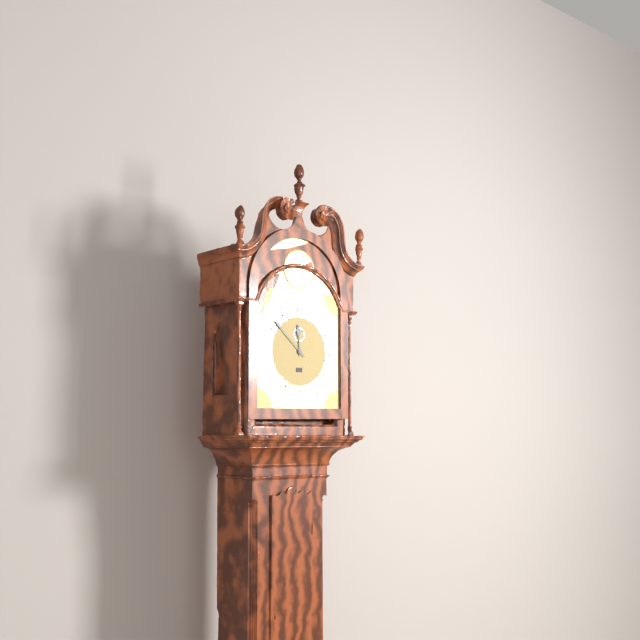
11:52
